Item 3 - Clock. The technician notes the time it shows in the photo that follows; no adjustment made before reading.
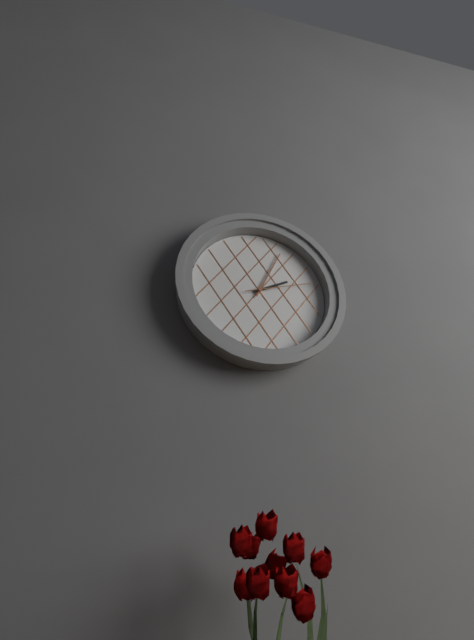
2:04:12
